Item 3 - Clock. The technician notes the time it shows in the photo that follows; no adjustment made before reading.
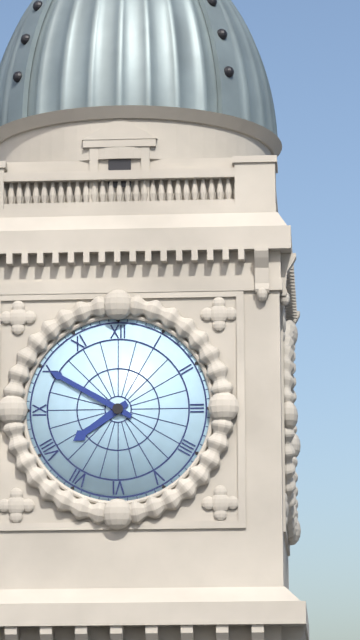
7:50
